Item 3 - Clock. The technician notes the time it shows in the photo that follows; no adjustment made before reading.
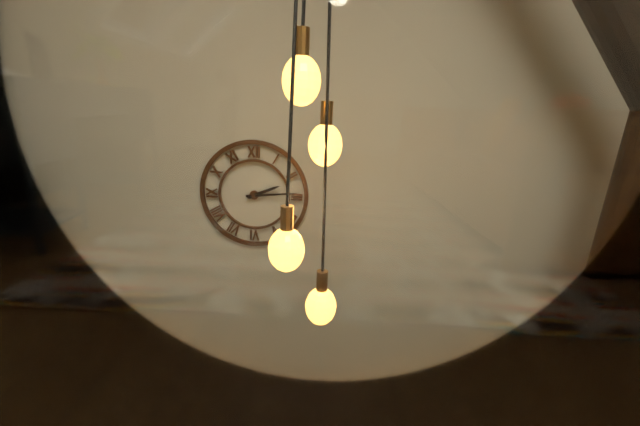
2:14
